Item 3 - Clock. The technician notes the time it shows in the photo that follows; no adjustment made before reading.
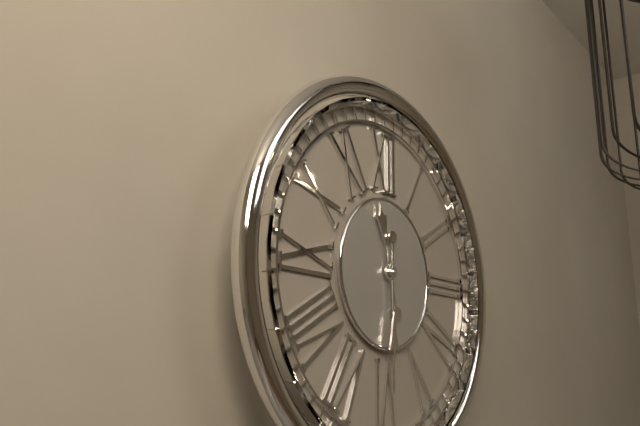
11:30
